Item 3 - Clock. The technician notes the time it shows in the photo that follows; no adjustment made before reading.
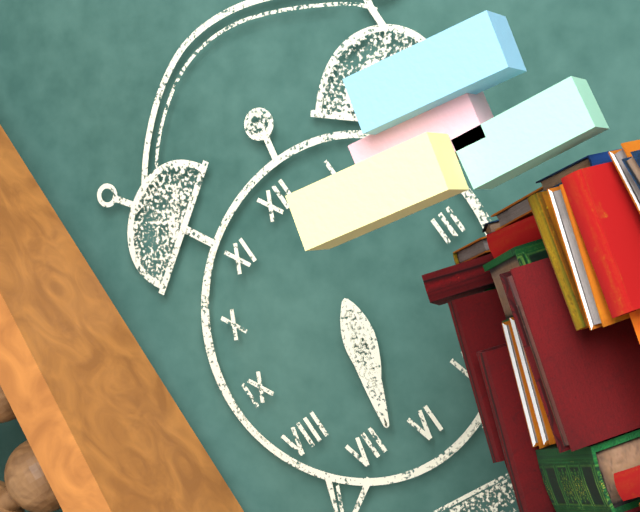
6:33
